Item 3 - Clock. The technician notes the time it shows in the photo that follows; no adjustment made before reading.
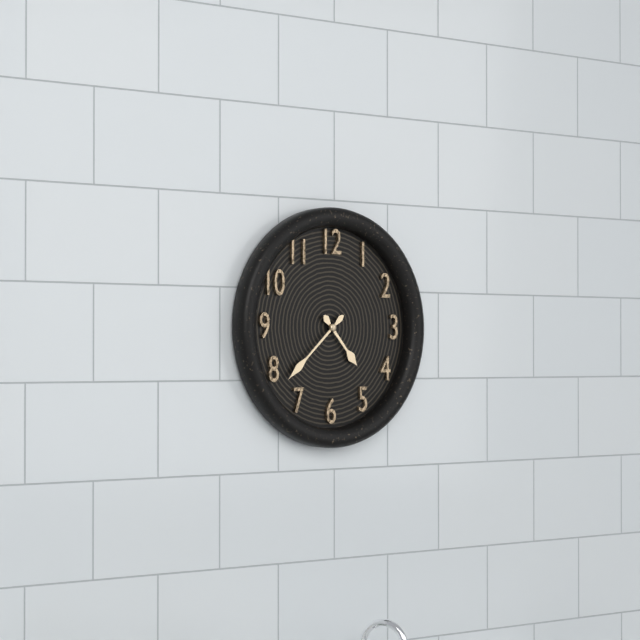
4:38
